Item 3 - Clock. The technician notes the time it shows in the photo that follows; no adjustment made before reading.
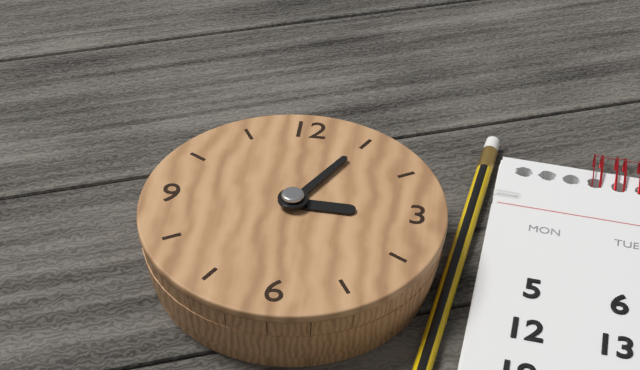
3:05
